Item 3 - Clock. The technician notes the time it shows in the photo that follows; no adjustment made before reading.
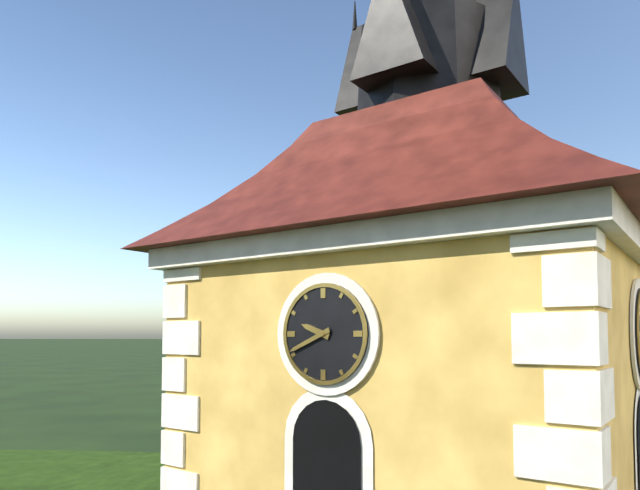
9:41
